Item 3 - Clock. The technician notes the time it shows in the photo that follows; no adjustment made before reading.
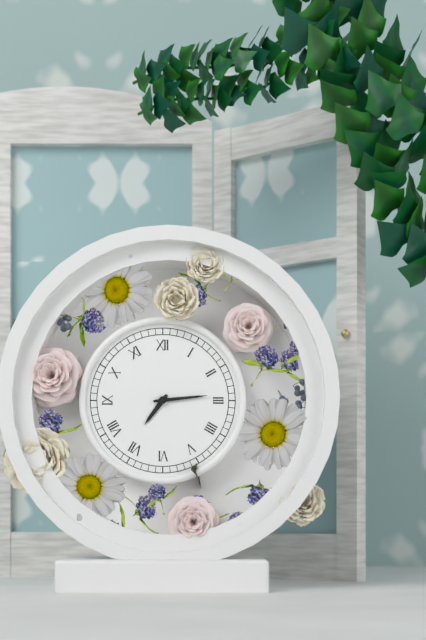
7:14
